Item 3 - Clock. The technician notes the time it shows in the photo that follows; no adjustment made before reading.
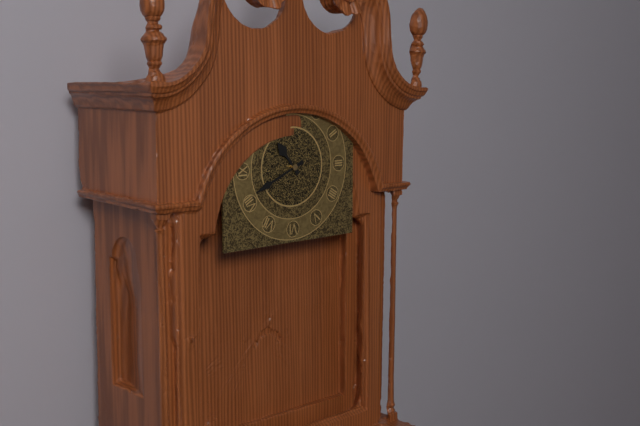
10:41
